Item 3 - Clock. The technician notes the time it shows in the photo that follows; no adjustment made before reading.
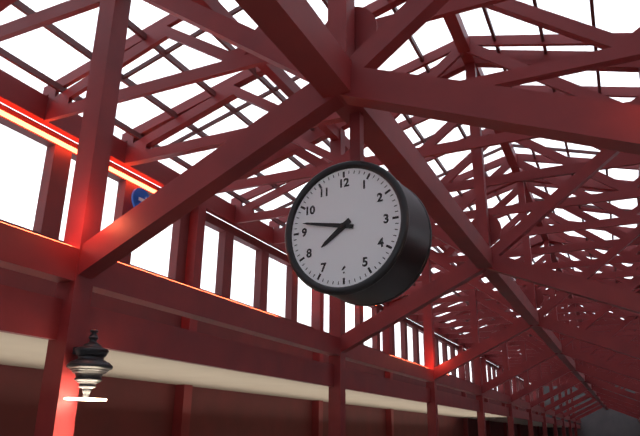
7:47
